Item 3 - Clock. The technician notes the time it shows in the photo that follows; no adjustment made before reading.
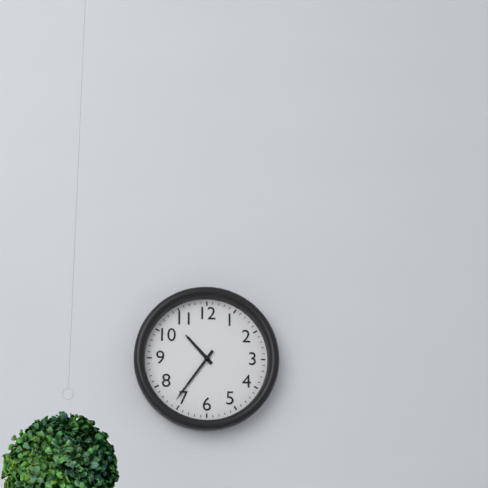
10:36
